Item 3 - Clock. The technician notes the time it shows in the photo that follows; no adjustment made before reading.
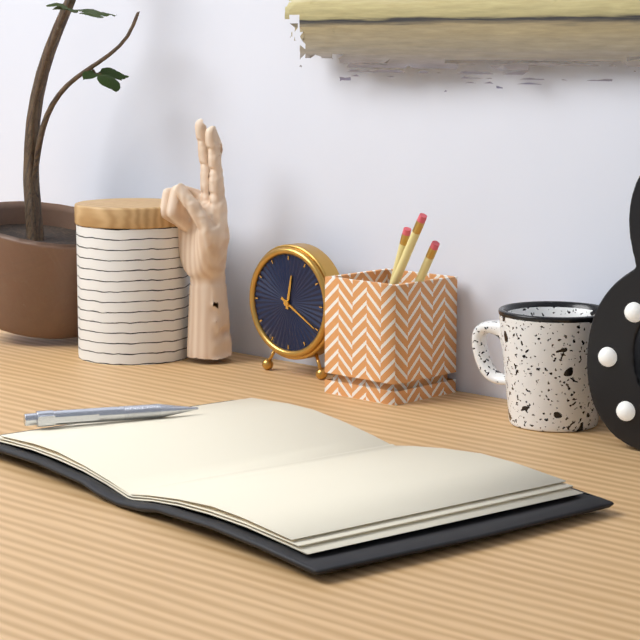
12:20
